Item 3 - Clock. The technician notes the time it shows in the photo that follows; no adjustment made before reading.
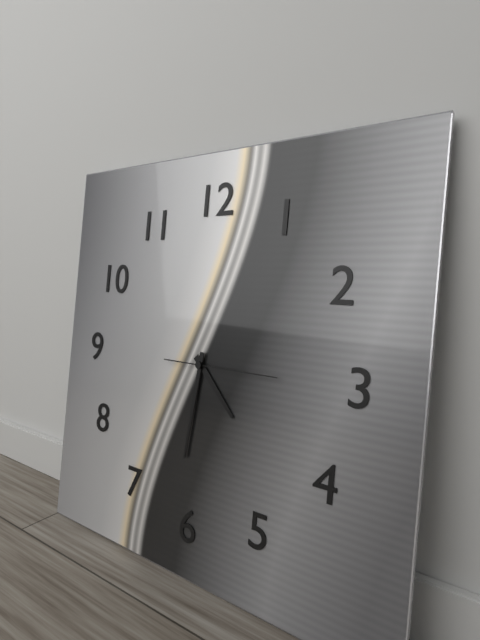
4:31:15
